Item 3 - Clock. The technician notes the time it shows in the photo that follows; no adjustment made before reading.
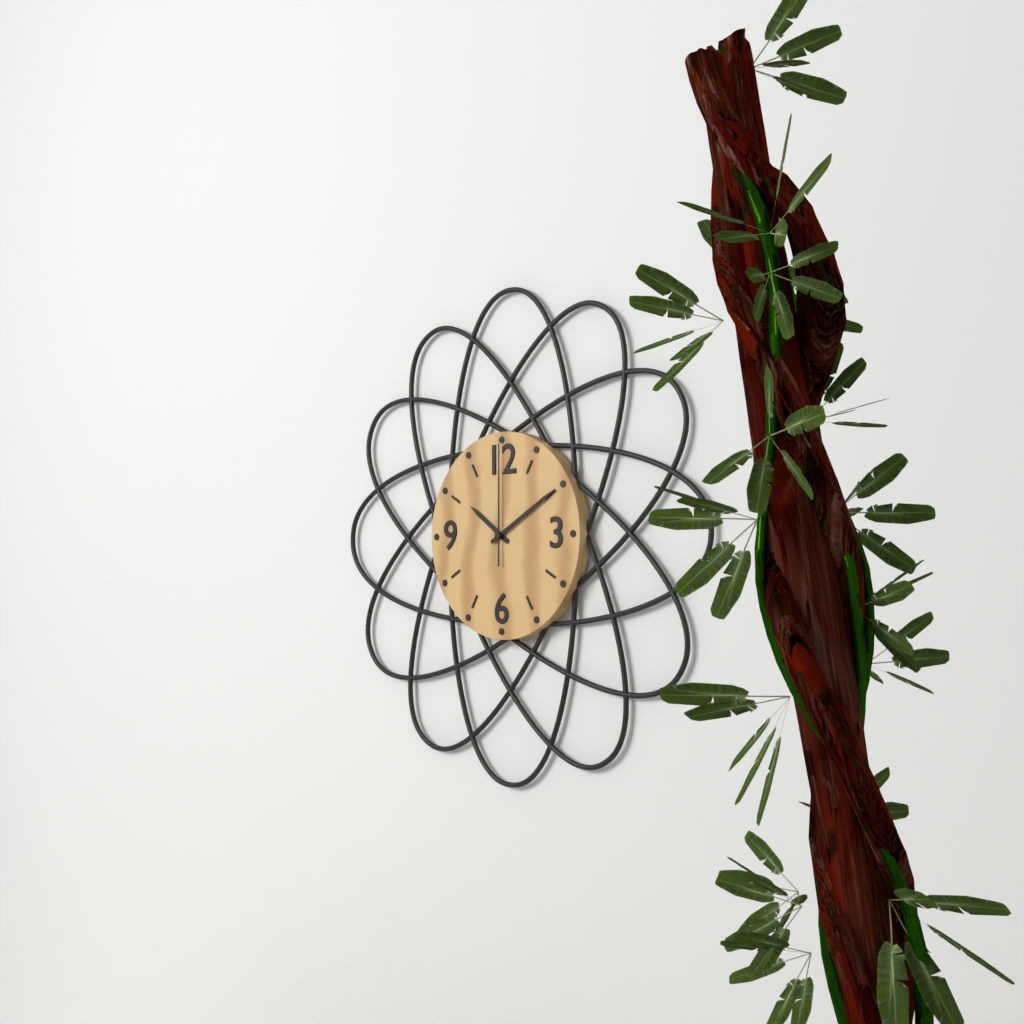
10:10:00
